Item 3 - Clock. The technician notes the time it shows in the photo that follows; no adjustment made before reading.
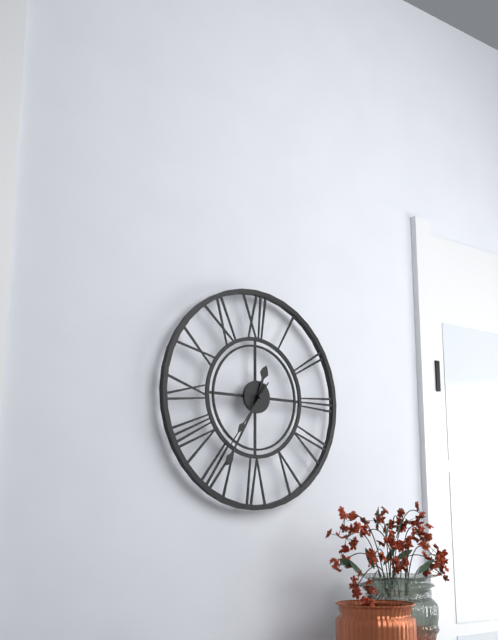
12:35:36
